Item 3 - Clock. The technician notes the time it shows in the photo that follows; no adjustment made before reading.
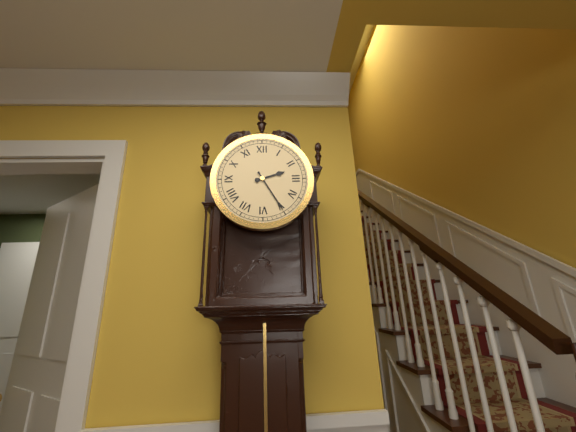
2:25
